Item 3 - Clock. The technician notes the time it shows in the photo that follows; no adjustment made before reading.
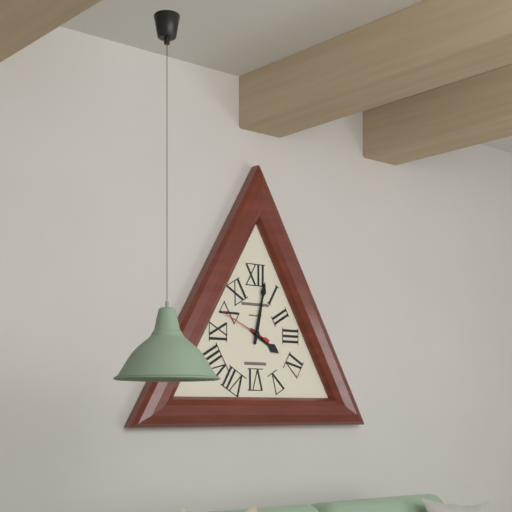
4:02:49
